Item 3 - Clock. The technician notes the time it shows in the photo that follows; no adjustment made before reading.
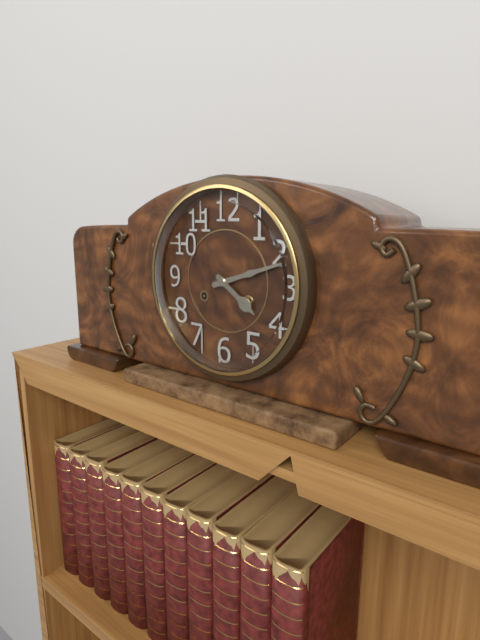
4:12
